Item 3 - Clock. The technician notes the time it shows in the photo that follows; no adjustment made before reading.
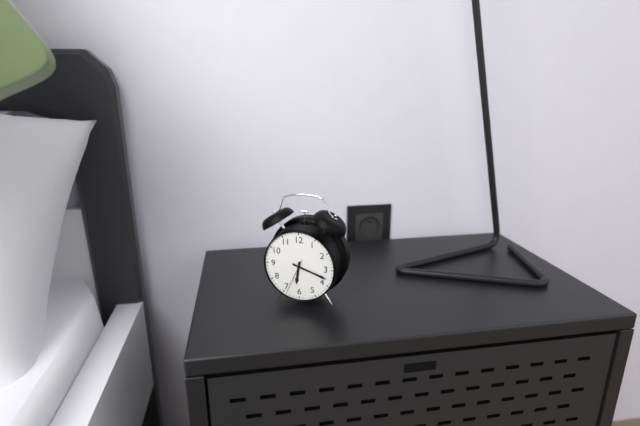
6:18
